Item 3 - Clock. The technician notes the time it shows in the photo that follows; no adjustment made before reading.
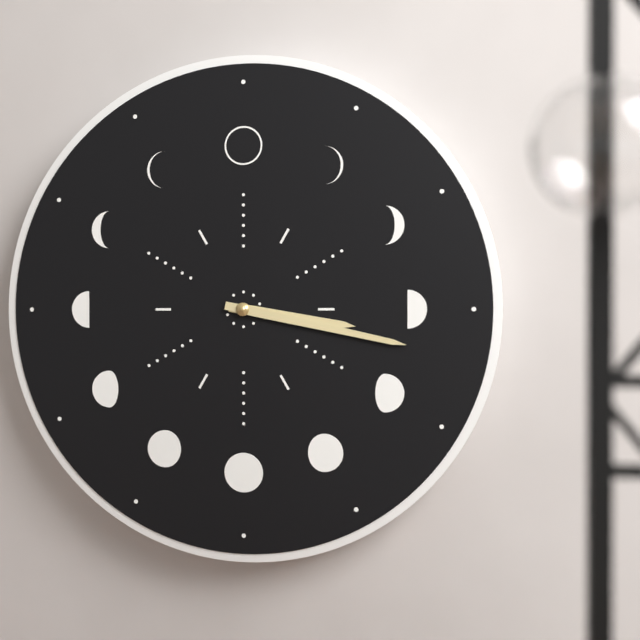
3:17
